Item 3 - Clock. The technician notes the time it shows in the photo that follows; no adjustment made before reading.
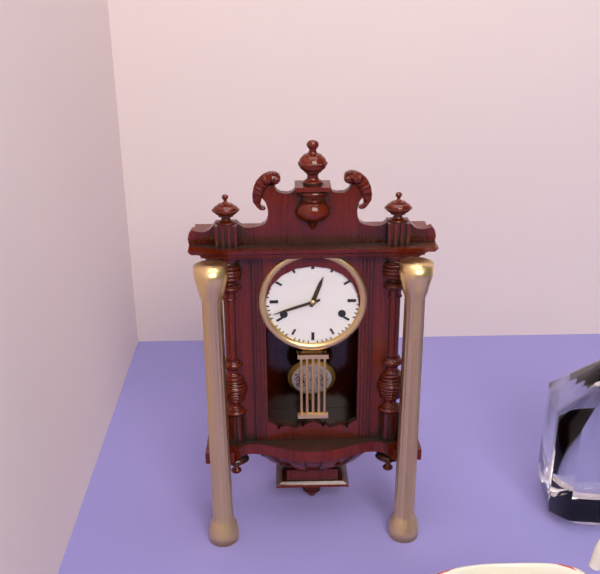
12:42
